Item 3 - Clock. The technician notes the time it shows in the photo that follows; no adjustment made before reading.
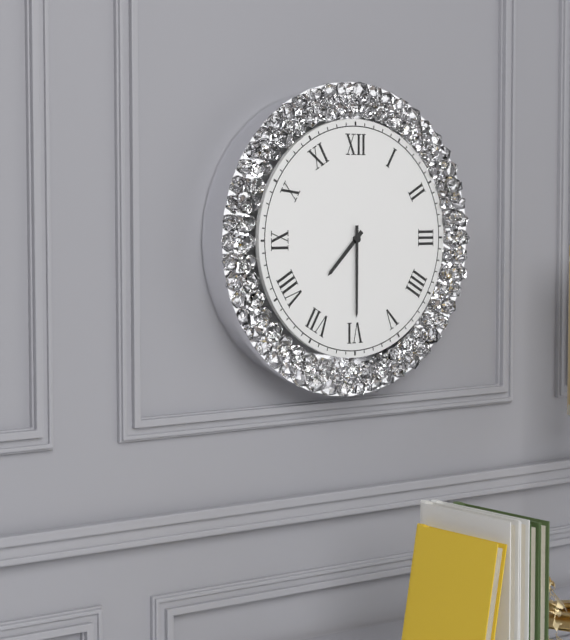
7:30
